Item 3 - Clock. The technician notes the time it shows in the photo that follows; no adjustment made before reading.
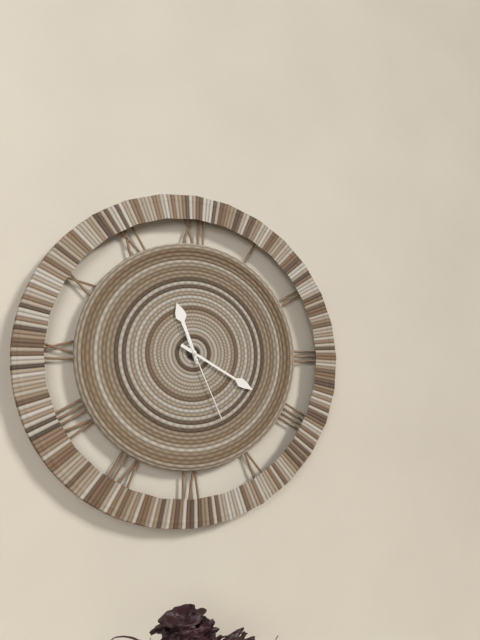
11:20:26
